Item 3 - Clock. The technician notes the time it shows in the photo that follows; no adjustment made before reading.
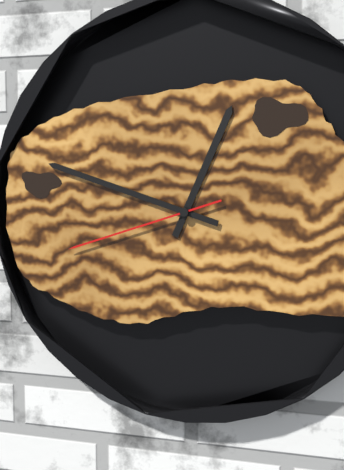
12:48:42
